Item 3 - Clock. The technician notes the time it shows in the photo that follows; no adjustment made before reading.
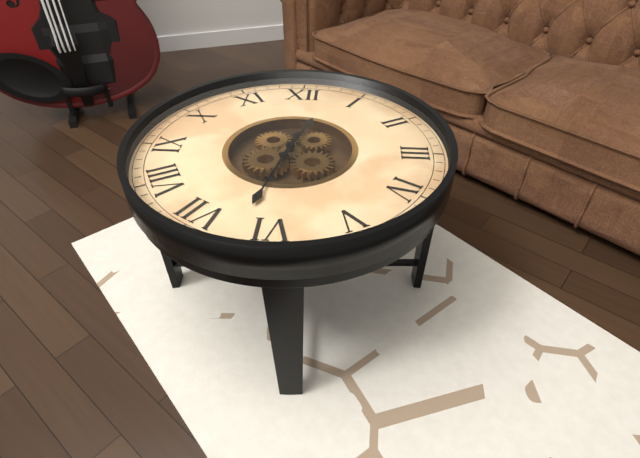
12:32
